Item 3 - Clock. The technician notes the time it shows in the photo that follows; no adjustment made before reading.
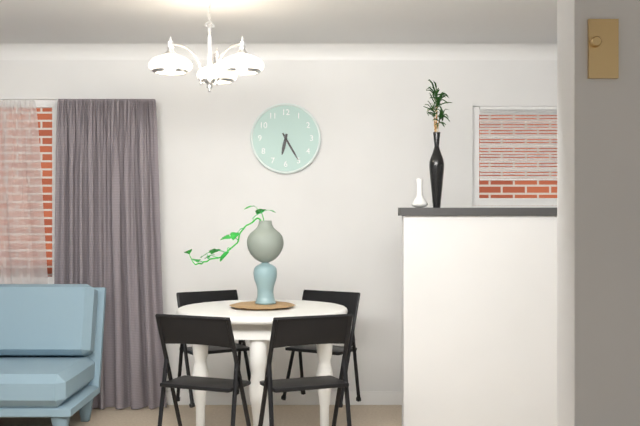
6:25
